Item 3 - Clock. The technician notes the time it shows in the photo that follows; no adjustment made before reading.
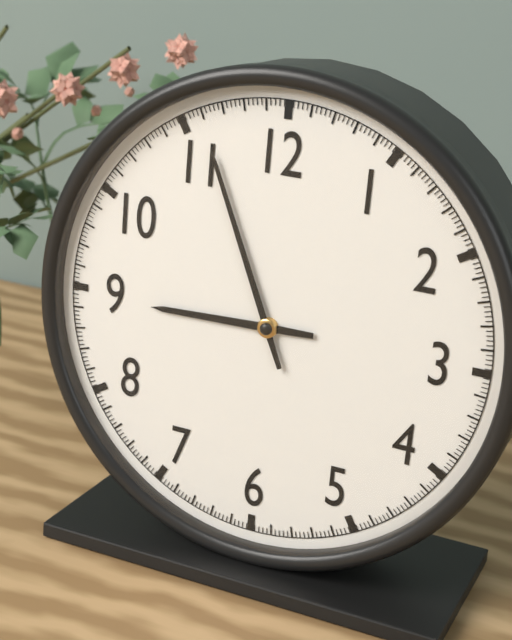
8:56
